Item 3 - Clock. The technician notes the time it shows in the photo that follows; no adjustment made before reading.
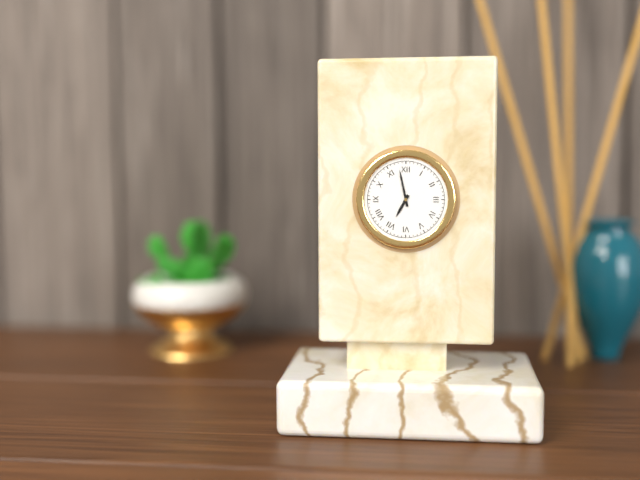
6:58
